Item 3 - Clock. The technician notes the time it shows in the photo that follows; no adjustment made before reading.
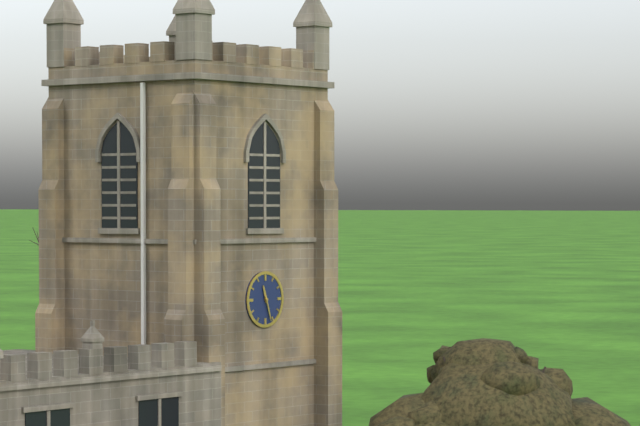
11:27
